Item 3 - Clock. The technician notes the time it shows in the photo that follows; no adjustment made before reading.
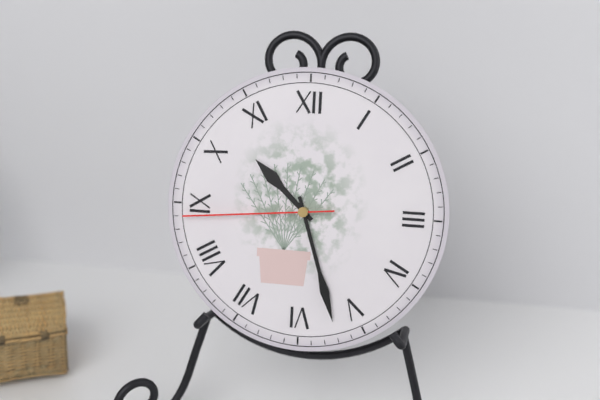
10:27:44
